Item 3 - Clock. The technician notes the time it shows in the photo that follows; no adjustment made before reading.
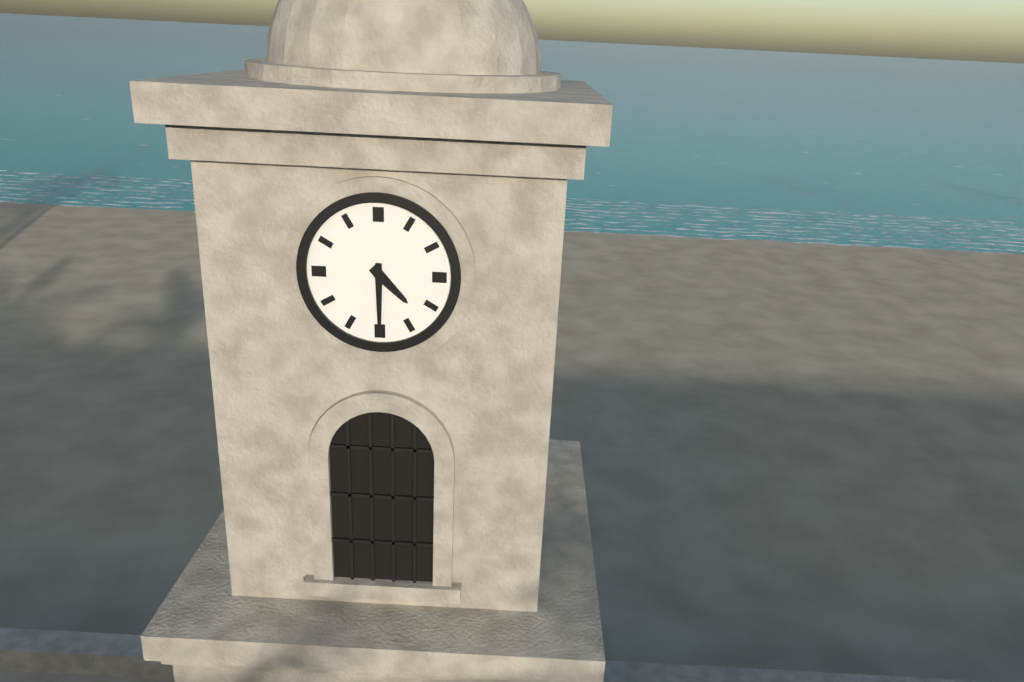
4:30
